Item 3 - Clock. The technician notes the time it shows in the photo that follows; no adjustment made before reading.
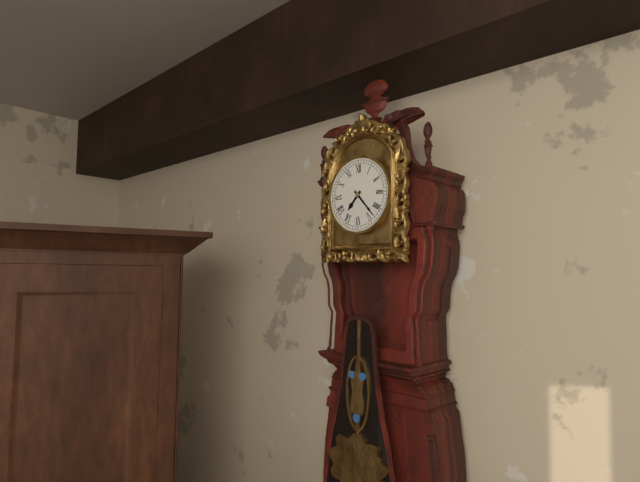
7:23
